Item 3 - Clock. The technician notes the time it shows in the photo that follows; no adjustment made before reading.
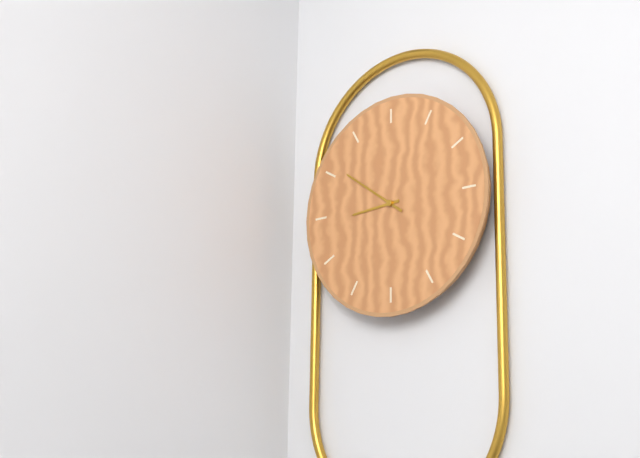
8:51
